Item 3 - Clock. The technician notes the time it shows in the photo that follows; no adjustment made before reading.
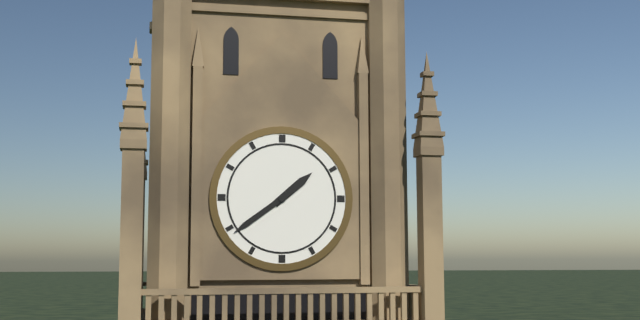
1:39
